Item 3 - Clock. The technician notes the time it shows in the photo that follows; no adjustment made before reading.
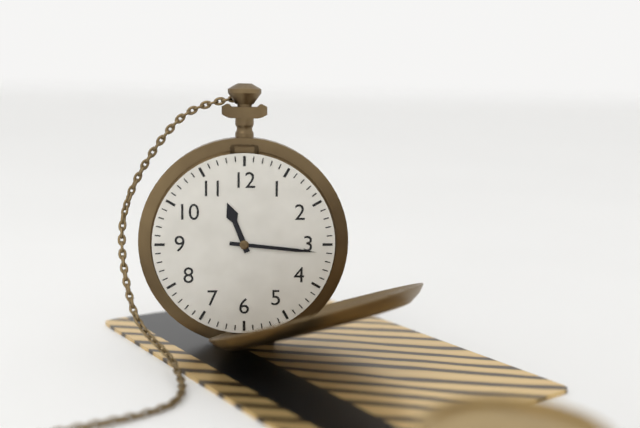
11:16
